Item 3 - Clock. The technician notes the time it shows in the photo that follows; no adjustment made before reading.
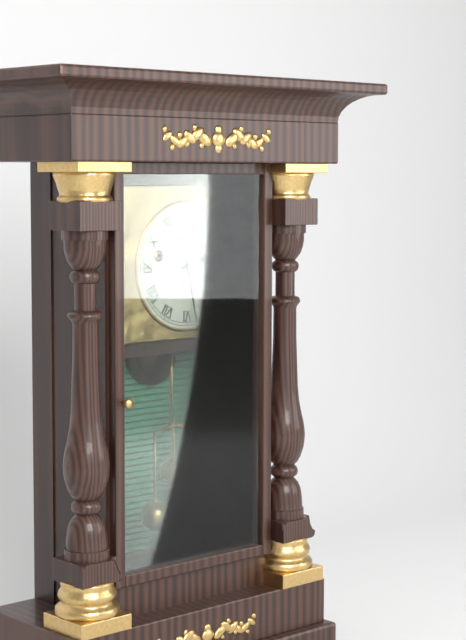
2:28
